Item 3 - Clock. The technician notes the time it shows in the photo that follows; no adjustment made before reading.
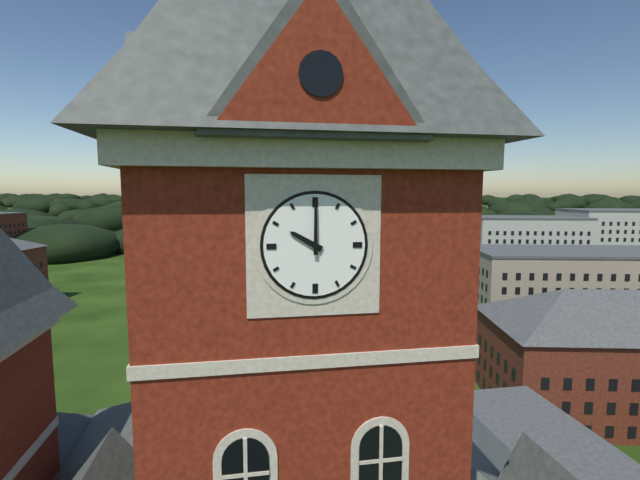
10:00
